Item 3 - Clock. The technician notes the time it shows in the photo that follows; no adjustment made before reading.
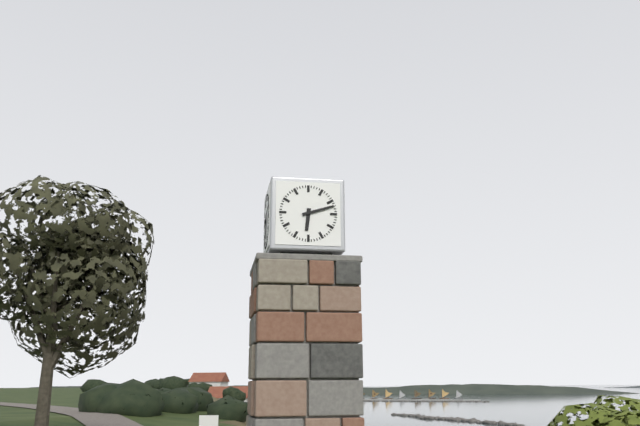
6:12
